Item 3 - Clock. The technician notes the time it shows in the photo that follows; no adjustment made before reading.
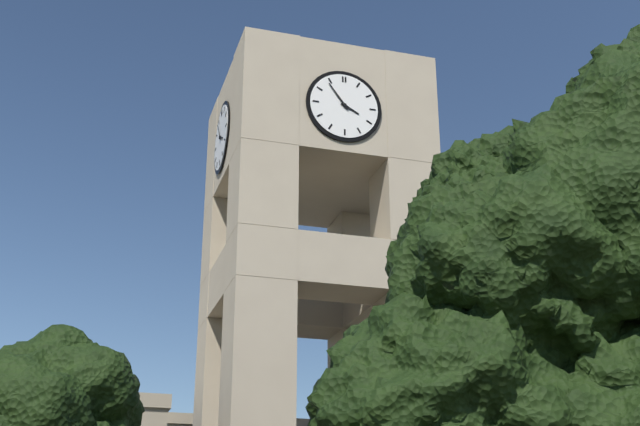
3:54
